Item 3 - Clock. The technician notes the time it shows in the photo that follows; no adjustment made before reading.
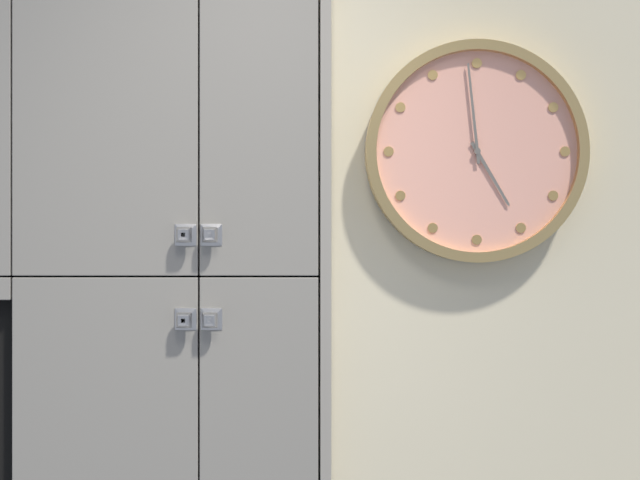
4:59
